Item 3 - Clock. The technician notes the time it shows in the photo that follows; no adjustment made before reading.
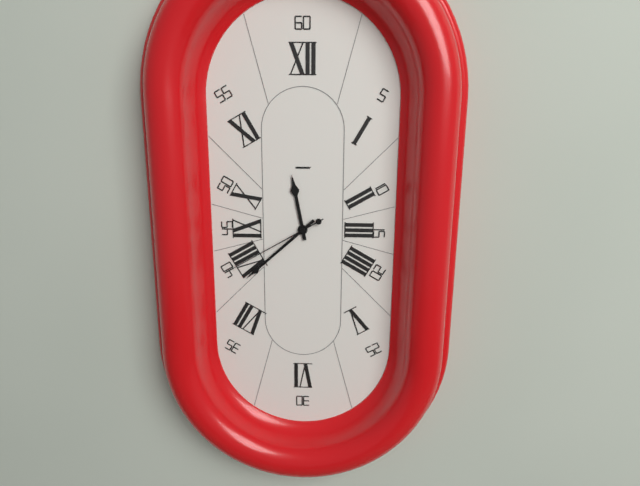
11:38:40
